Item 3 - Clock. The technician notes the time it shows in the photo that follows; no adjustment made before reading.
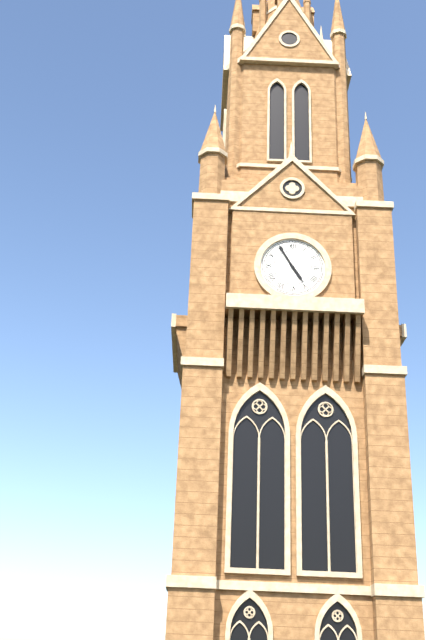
4:55
